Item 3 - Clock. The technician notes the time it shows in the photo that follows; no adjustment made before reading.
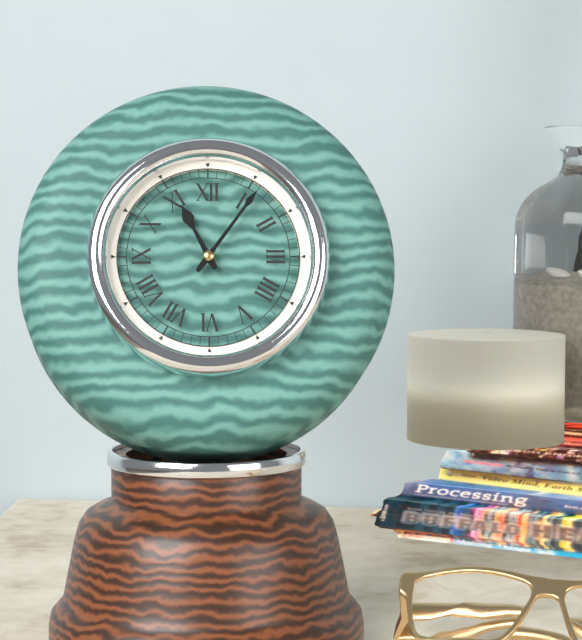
11:06
